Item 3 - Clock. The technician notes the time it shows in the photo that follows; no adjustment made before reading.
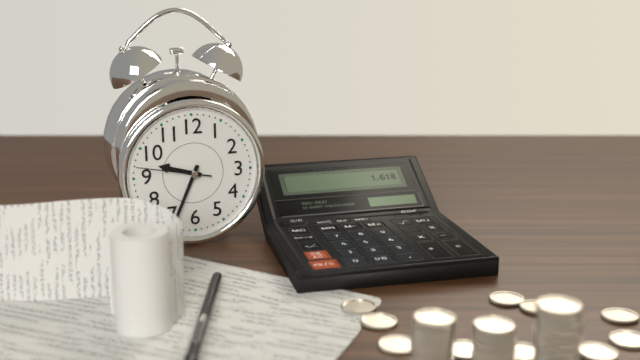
9:34:47
